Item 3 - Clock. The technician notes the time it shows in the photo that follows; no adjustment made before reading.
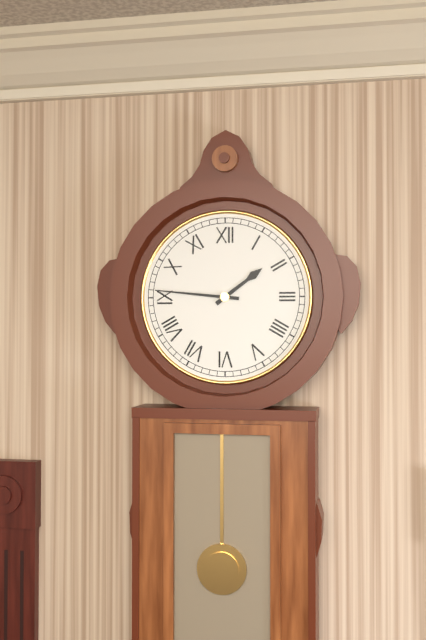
1:46
